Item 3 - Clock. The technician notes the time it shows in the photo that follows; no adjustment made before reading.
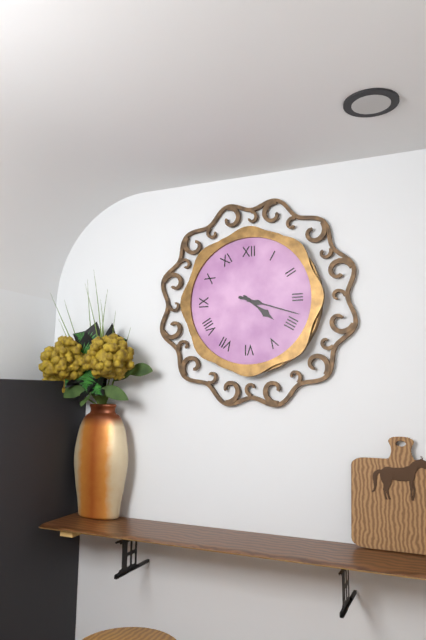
4:18
